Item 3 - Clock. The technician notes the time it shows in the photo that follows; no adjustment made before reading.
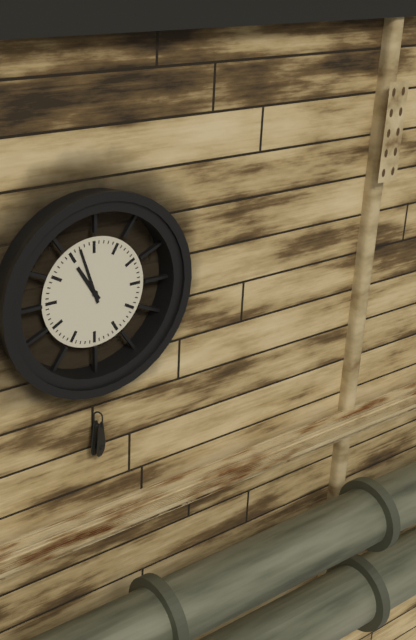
10:57
